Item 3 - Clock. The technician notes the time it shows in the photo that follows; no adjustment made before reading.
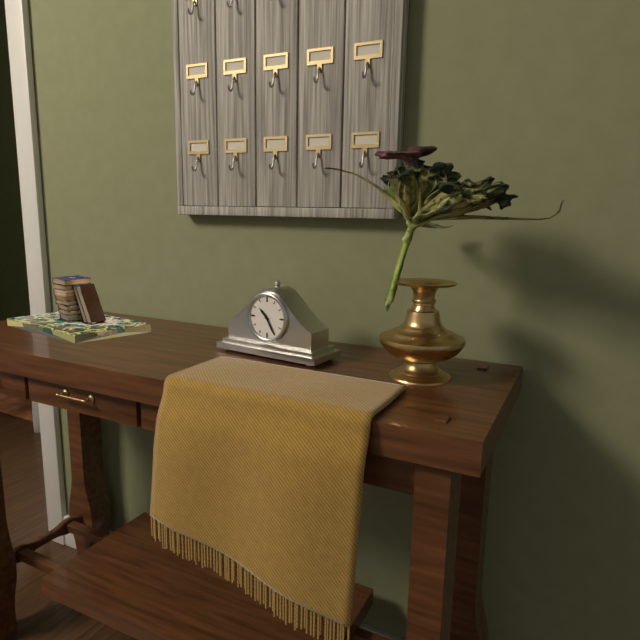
10:25
